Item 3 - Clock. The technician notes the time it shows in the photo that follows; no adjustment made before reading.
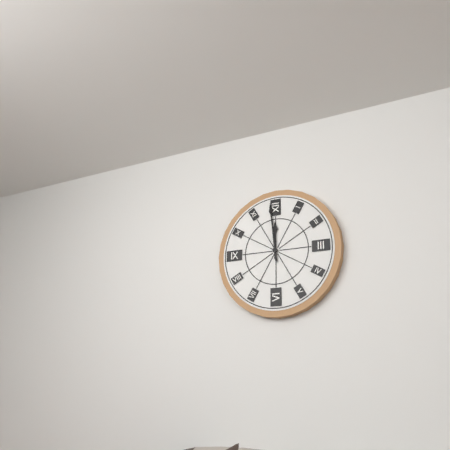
11:59
